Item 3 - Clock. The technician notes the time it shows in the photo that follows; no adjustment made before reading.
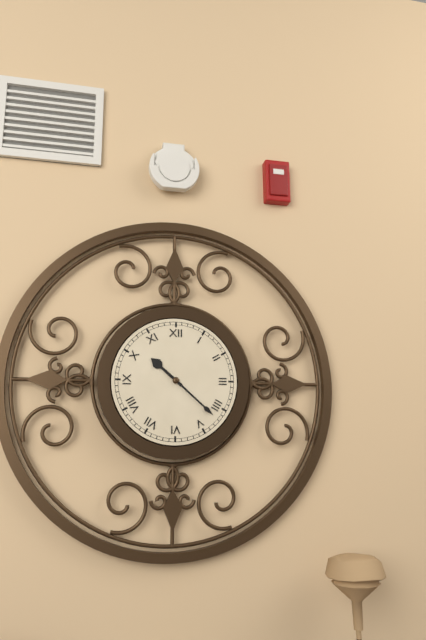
10:22
